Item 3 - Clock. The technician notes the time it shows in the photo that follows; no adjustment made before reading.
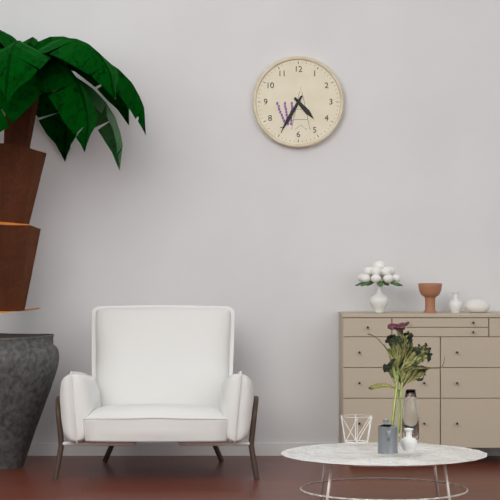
4:35
